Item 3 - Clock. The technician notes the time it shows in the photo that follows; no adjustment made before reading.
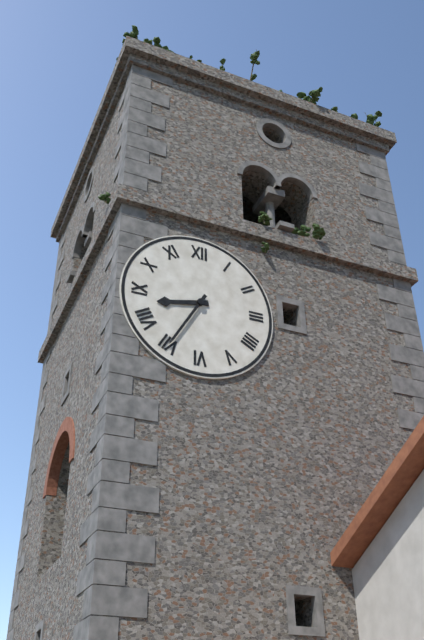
8:35
